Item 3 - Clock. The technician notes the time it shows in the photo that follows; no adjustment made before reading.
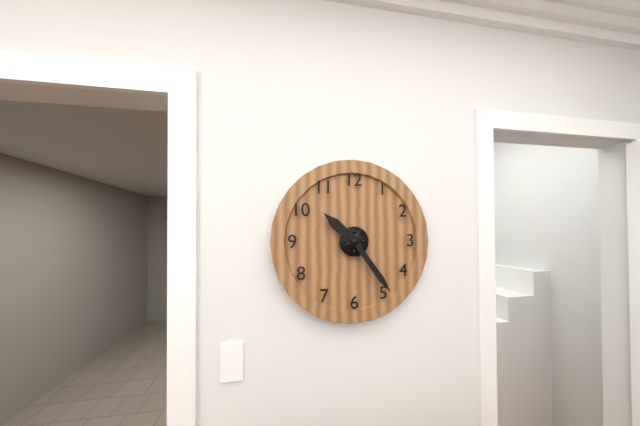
10:24
